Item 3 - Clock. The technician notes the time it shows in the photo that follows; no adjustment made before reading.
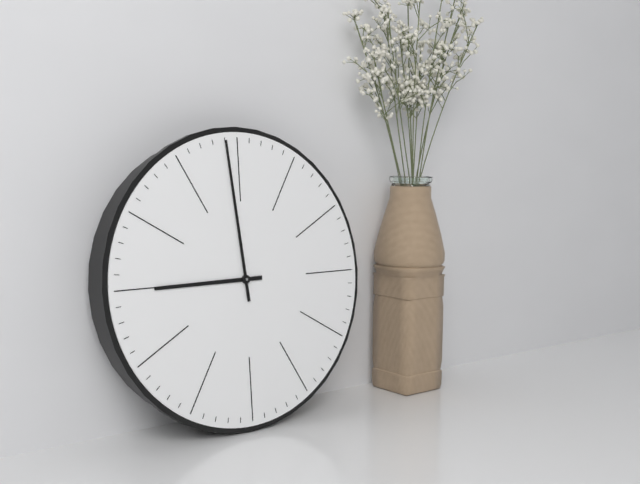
8:59
